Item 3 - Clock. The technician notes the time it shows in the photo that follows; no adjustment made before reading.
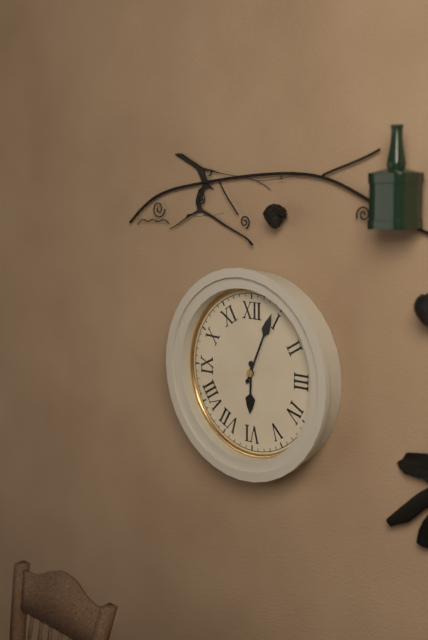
6:04
